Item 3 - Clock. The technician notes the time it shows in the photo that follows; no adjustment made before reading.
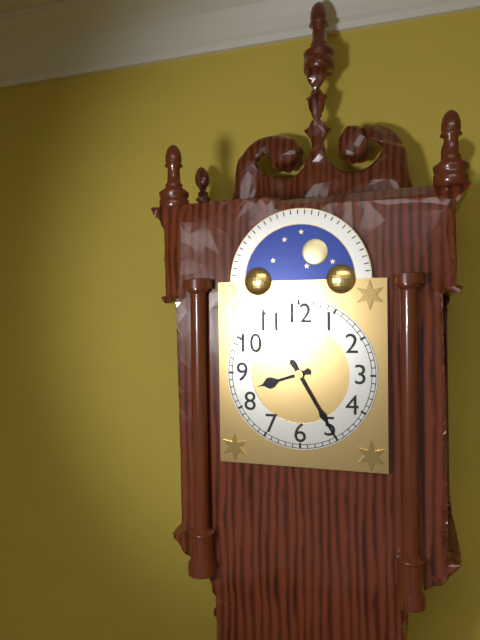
8:25
